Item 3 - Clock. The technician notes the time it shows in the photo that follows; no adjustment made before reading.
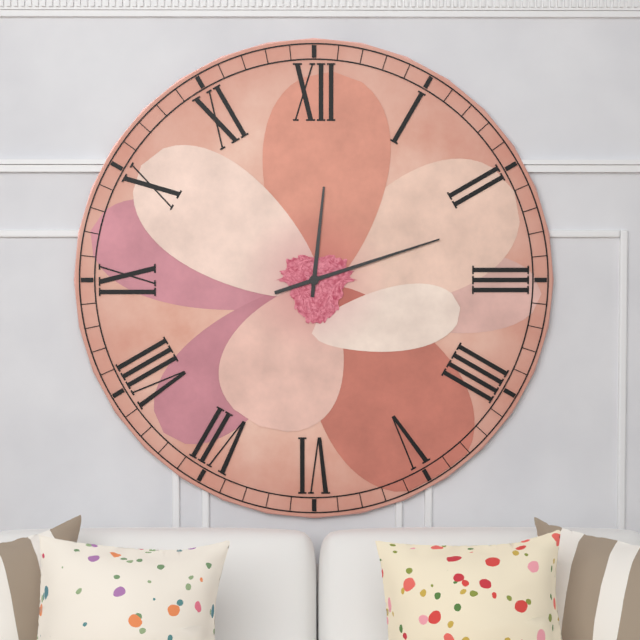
12:12
